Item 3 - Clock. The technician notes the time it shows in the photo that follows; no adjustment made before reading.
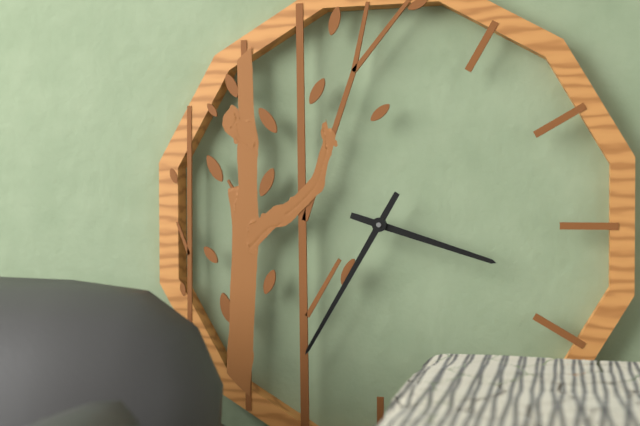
3:35
